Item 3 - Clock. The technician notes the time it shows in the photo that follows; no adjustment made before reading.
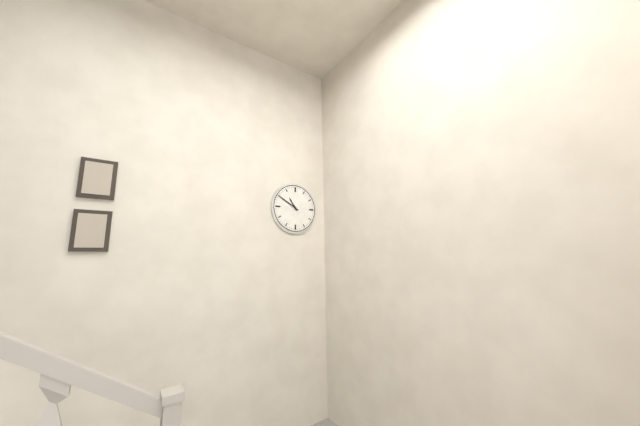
10:50
